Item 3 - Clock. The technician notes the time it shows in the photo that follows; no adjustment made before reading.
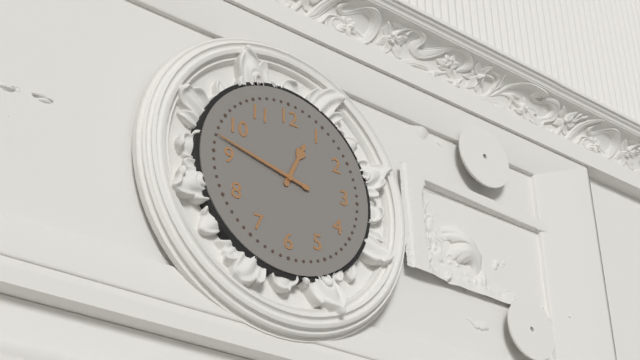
12:47
